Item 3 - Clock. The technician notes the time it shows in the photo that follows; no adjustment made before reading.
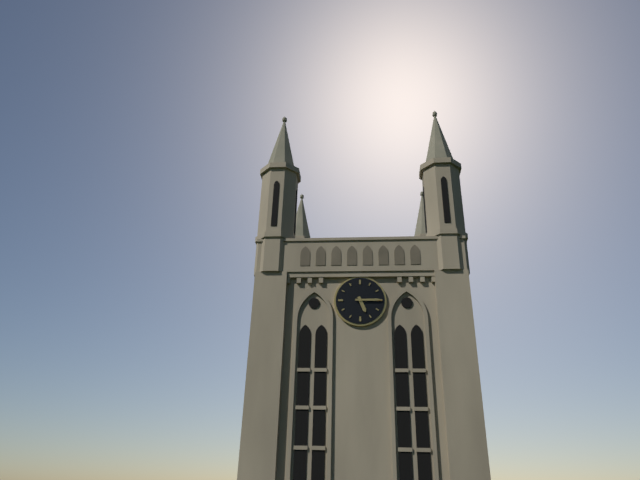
5:15
